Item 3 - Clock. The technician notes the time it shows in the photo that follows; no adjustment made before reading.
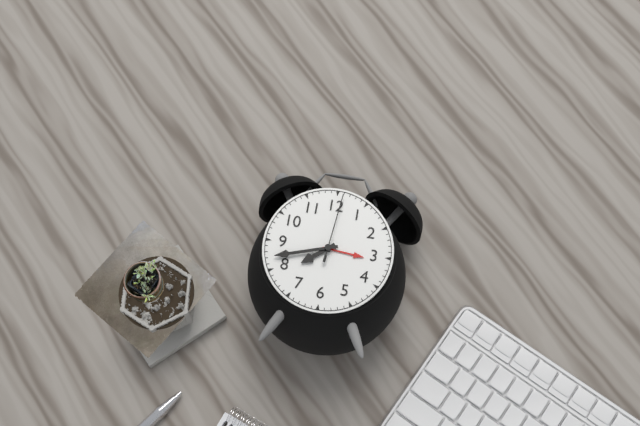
7:42:01
